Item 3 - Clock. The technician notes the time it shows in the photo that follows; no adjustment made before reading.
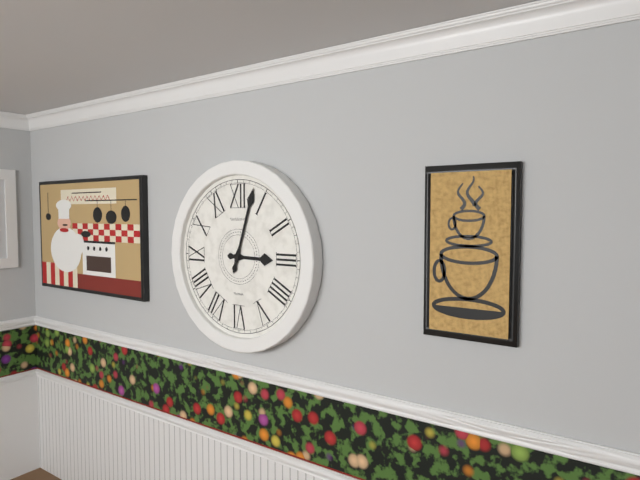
3:03
